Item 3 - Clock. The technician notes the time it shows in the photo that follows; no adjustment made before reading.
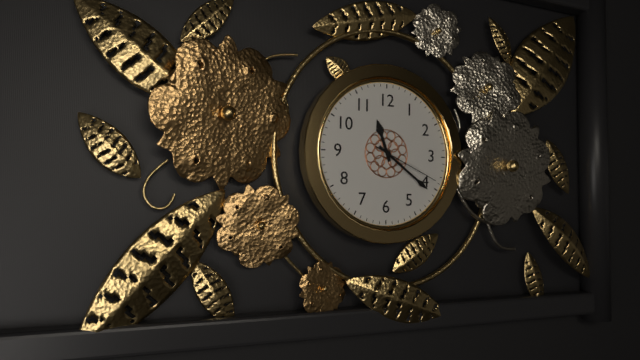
11:21:19
